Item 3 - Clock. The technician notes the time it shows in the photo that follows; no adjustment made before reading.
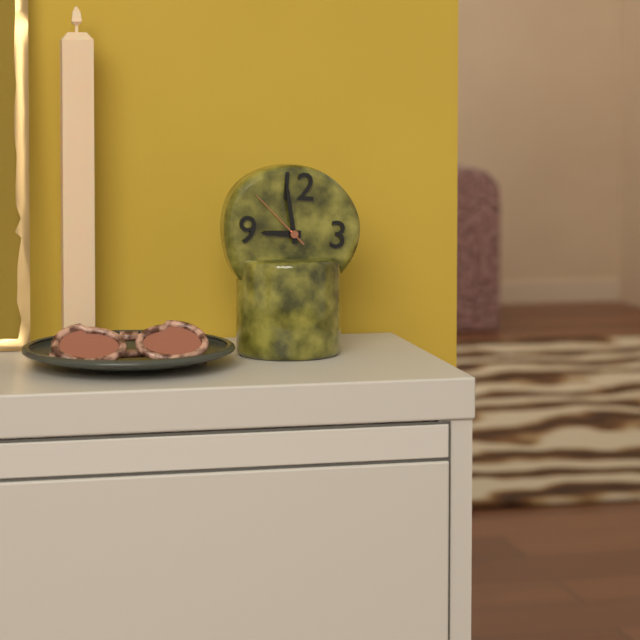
8:58:52
